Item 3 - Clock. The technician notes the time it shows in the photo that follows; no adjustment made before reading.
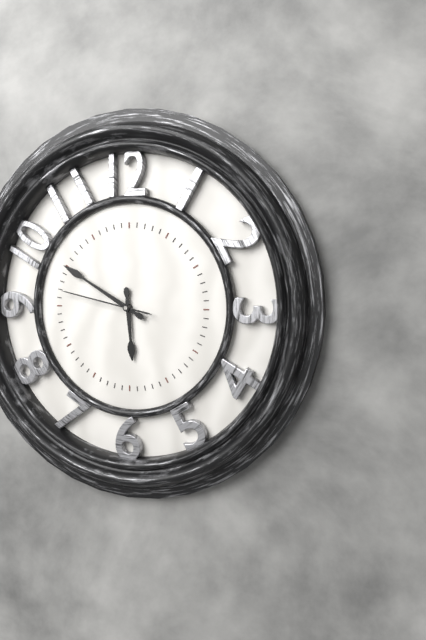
5:50:47
